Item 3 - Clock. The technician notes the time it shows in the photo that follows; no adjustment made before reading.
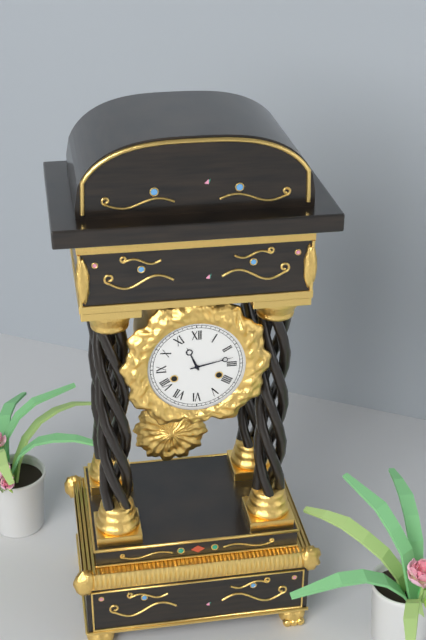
11:13
